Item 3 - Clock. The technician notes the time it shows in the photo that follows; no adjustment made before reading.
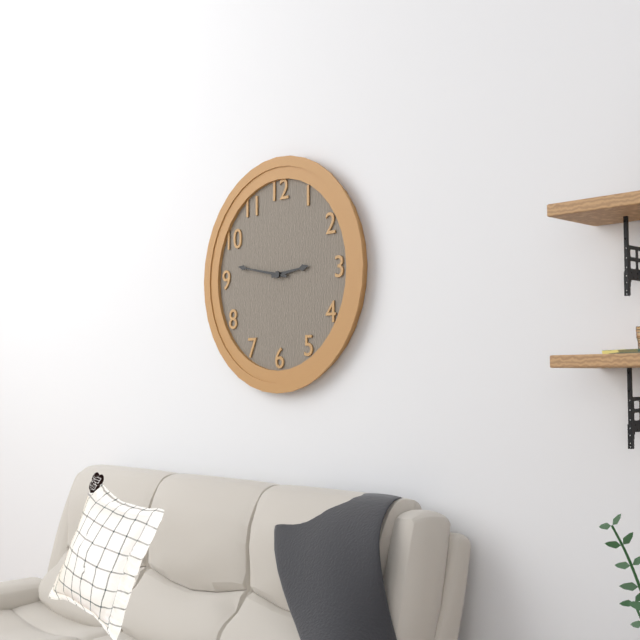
2:47
